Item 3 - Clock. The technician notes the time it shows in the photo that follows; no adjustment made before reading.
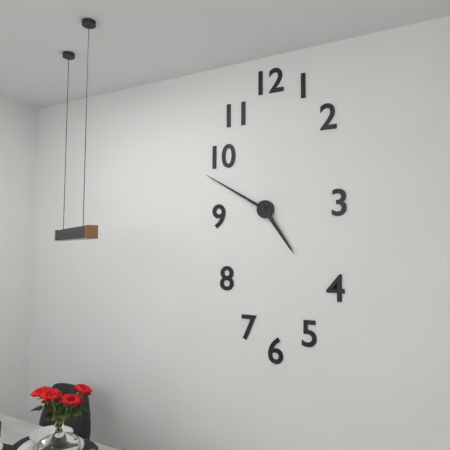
4:50
